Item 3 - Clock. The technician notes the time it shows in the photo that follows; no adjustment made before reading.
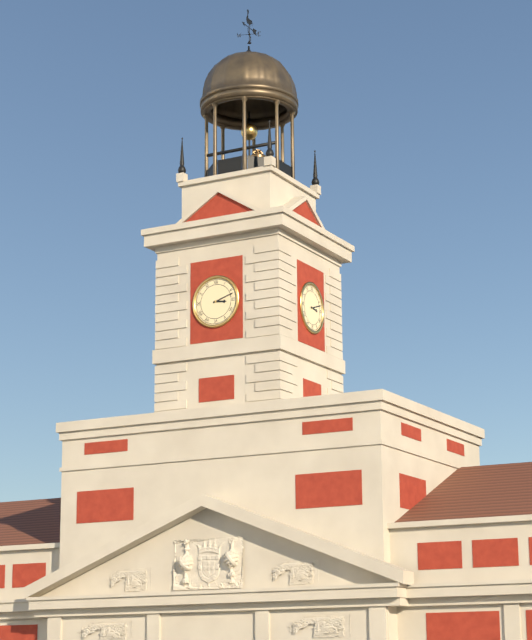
3:12
